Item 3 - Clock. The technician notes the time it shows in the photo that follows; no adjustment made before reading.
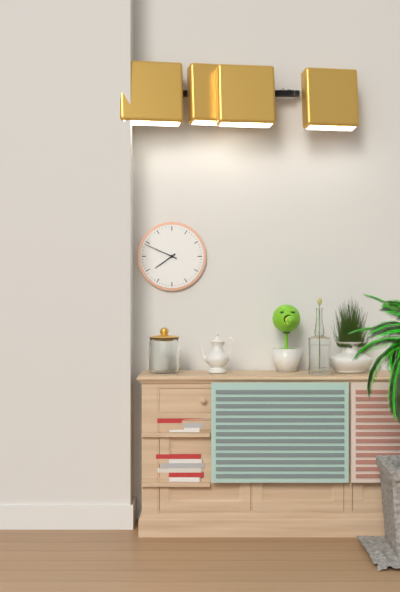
7:49
